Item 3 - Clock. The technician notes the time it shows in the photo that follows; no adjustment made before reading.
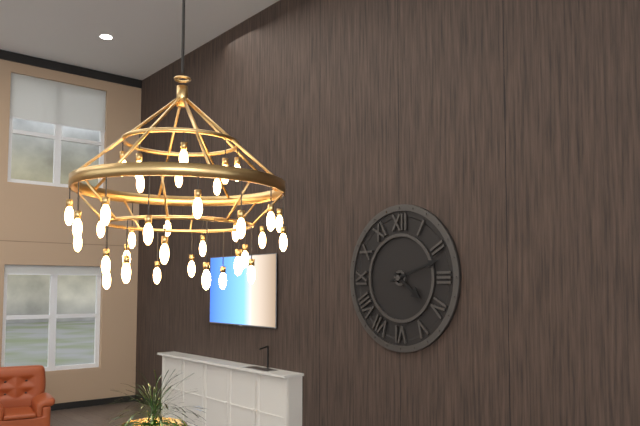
4:12
